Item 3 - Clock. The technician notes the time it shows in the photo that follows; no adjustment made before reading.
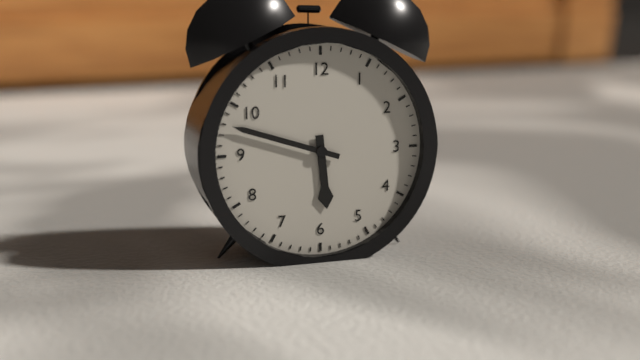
5:48
